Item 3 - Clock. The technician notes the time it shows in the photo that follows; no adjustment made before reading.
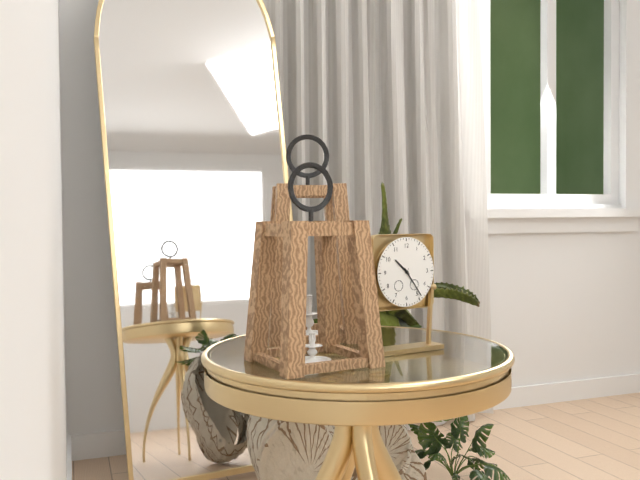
10:24
